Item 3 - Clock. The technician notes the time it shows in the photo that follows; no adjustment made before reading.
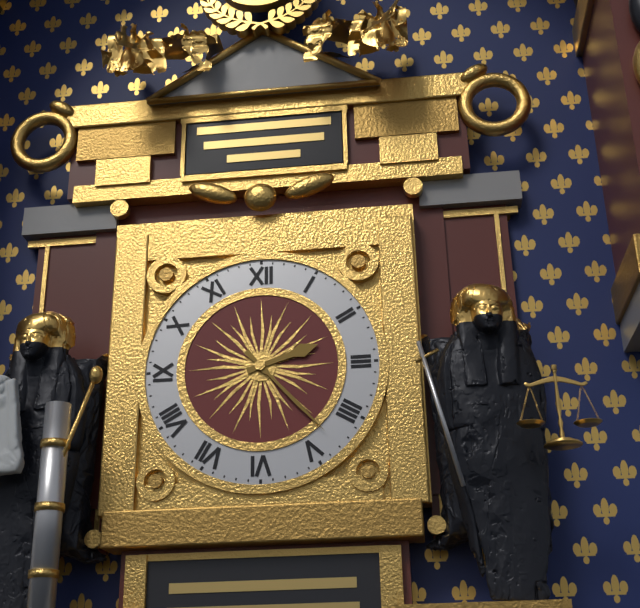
2:23
